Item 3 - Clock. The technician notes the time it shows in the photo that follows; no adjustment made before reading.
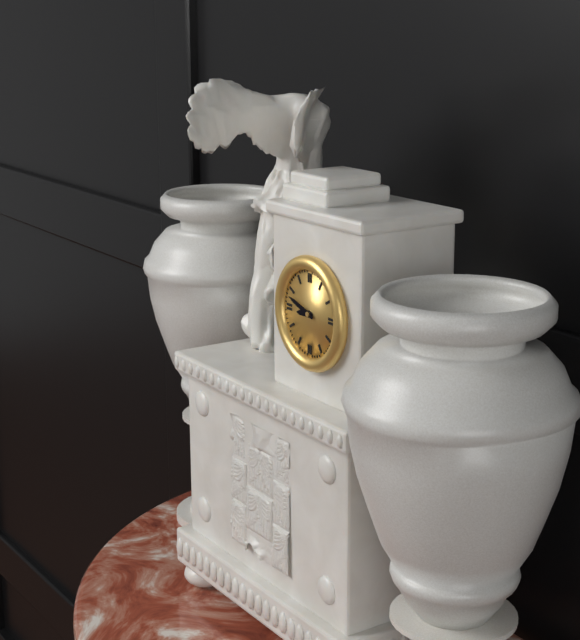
8:48
